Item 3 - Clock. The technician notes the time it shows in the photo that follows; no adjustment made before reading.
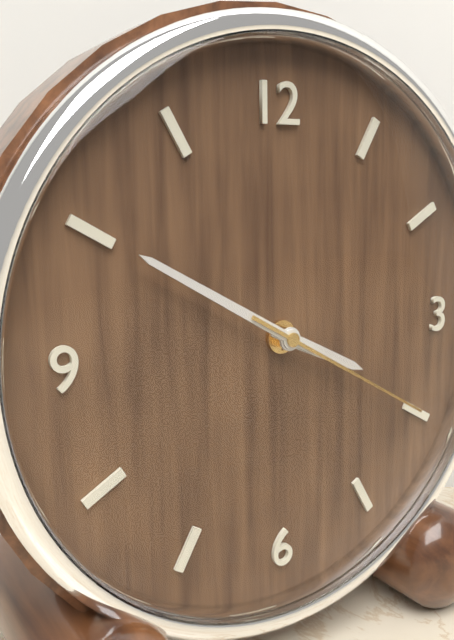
3:50:20
